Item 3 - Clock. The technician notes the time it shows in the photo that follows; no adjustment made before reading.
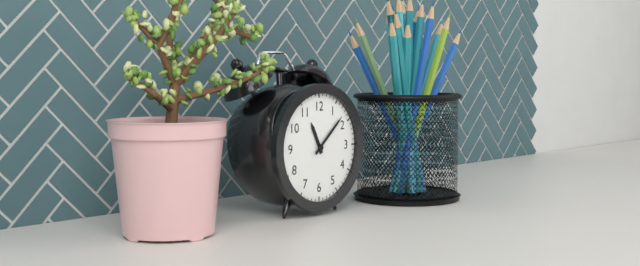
11:08
